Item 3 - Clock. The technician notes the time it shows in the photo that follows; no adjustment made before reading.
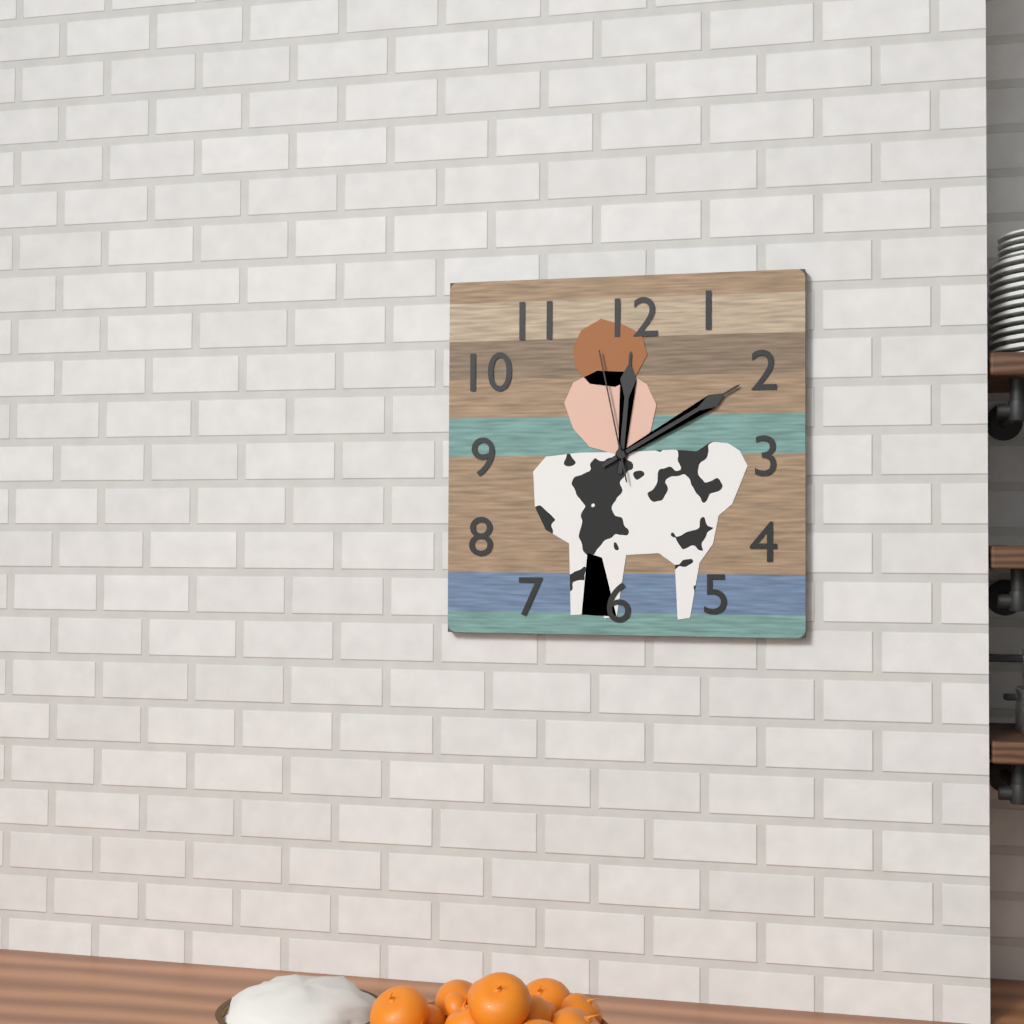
12:10:58
